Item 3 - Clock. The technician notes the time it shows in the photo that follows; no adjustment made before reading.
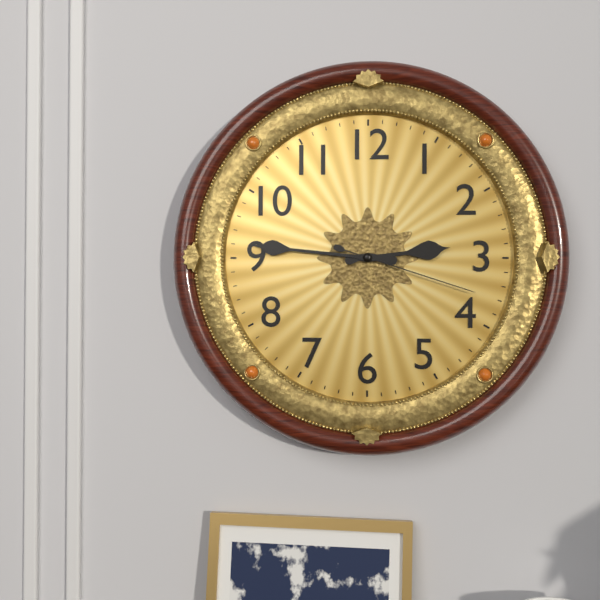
2:46:18
